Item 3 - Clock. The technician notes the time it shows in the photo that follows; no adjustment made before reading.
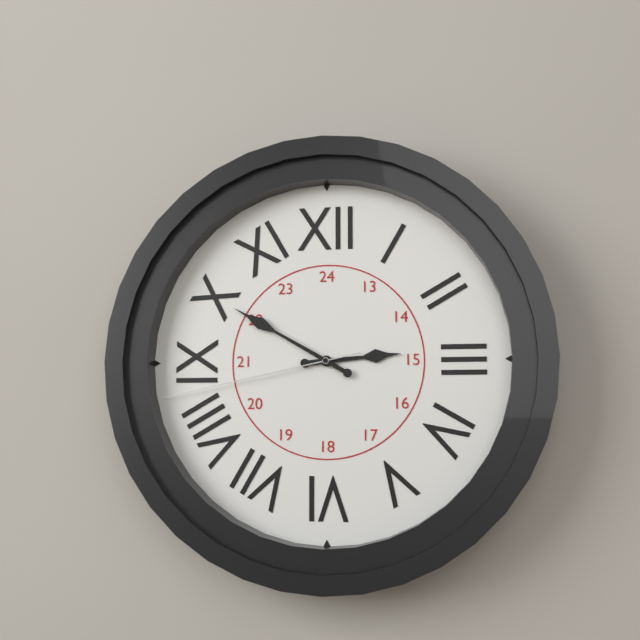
2:50:43
